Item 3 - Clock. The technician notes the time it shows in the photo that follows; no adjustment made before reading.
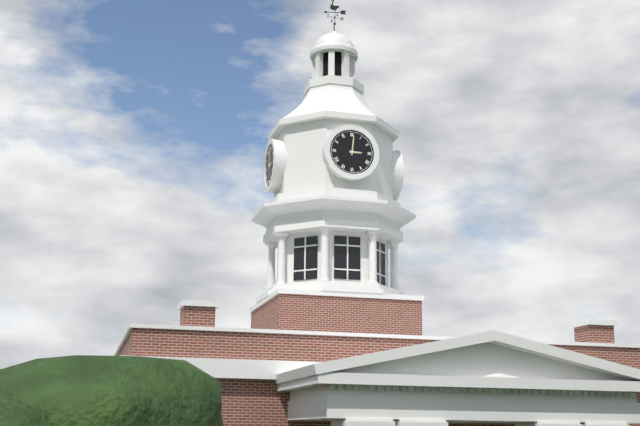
3:01
